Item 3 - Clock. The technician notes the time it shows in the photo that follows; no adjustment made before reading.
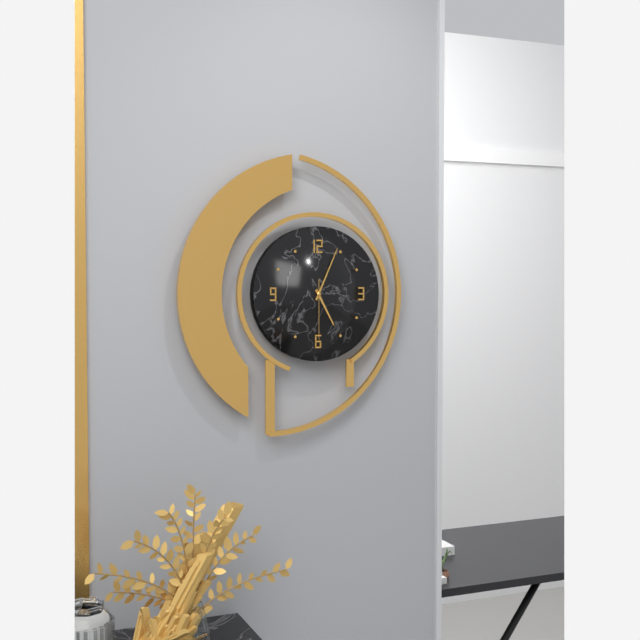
5:04:30
